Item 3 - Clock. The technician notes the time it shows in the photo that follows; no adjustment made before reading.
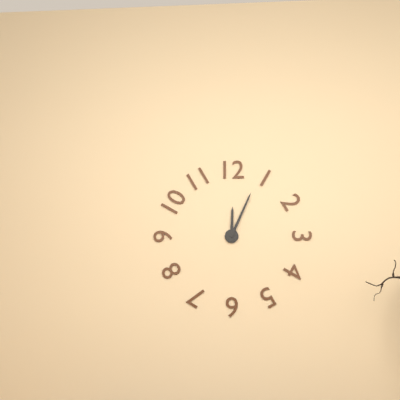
12:04
